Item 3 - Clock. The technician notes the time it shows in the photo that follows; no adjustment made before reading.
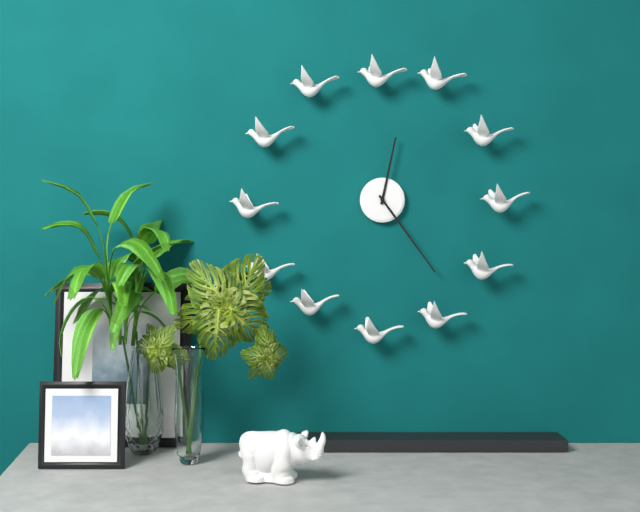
12:24
